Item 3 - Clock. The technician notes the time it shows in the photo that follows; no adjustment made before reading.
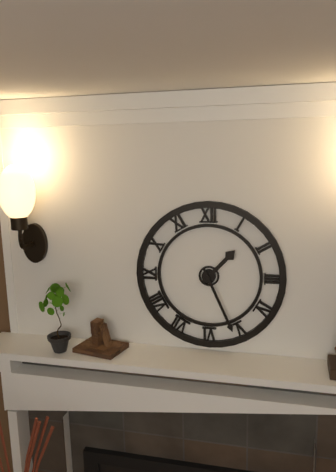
1:26
